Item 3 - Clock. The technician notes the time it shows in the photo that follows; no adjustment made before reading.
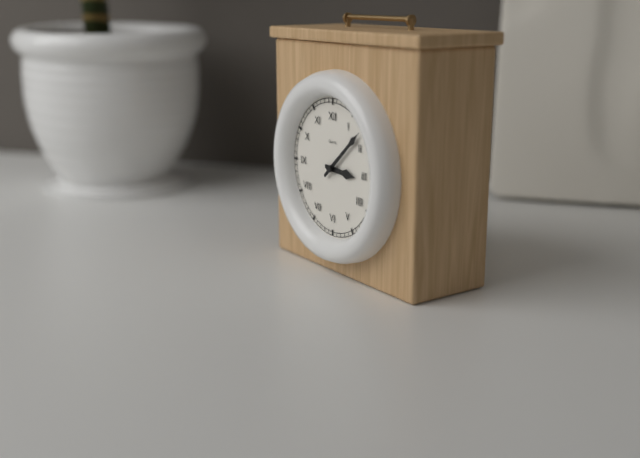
3:08
